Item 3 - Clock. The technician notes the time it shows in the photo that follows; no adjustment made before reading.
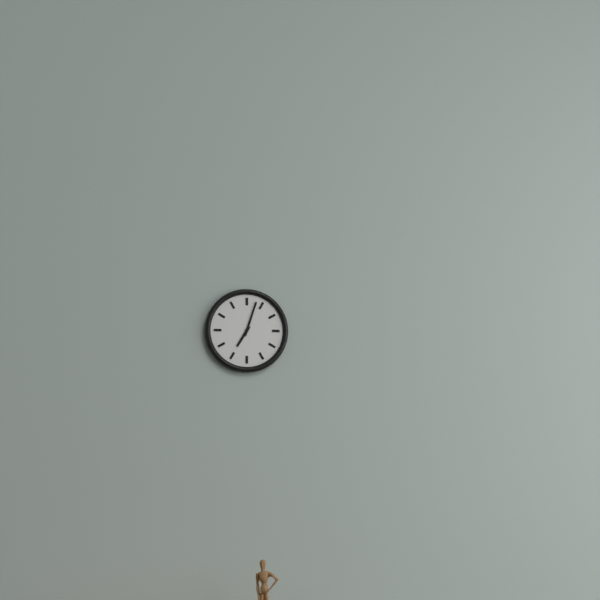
7:03
